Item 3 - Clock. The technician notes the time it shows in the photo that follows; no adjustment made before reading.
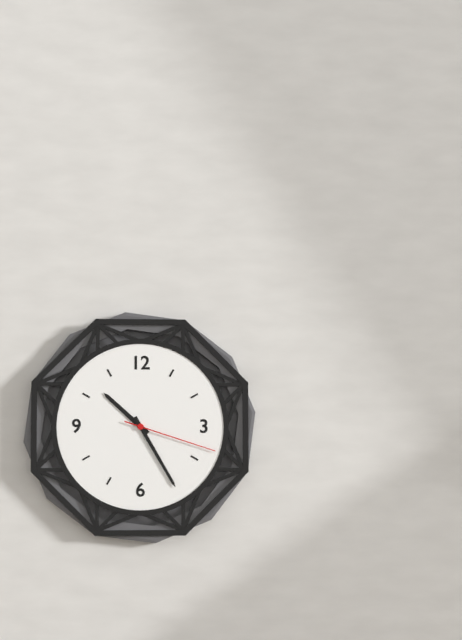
10:25:18
